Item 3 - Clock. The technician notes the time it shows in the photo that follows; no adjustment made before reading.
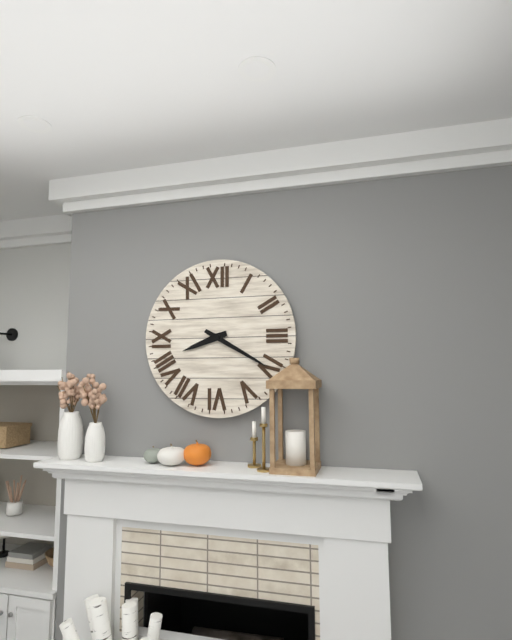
8:20
